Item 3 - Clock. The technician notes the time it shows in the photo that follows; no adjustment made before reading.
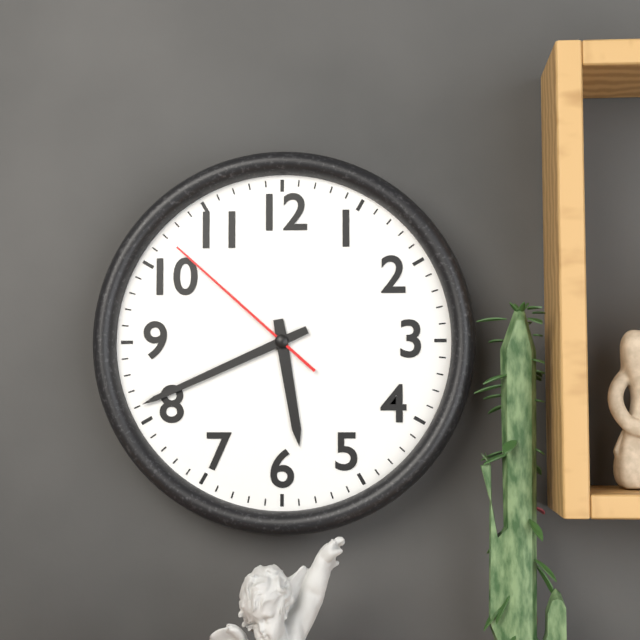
5:41:52
